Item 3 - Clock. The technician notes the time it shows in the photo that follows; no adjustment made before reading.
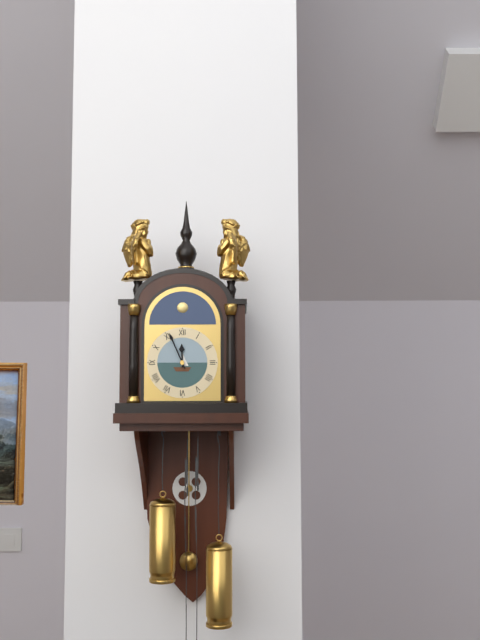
11:56
